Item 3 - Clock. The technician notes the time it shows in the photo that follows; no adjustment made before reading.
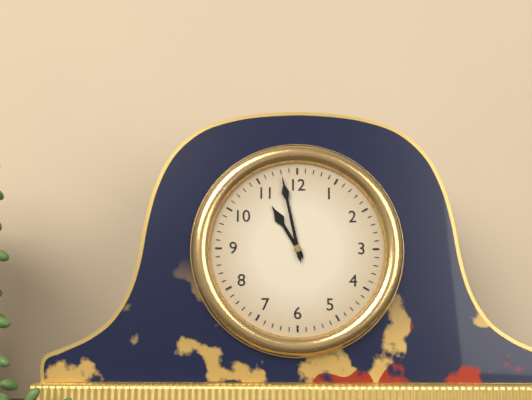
10:58
